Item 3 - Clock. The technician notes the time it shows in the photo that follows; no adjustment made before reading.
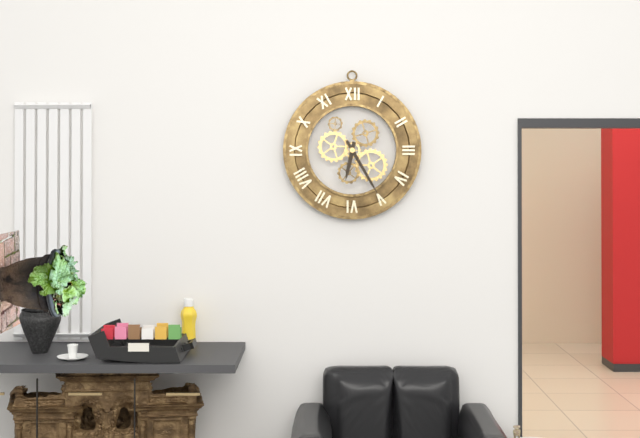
6:25
